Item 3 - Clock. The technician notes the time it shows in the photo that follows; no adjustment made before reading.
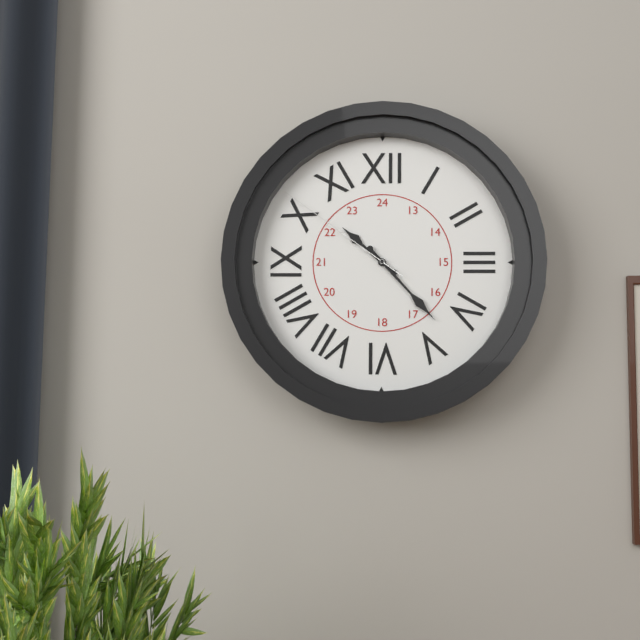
10:23:51
